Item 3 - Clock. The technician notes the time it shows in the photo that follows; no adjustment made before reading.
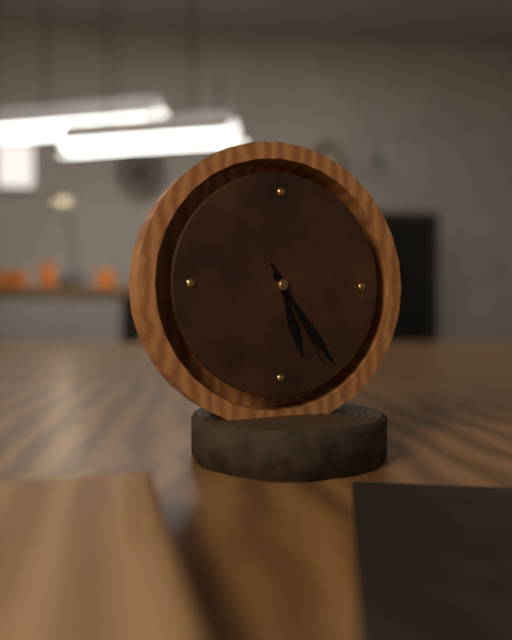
5:24:25
